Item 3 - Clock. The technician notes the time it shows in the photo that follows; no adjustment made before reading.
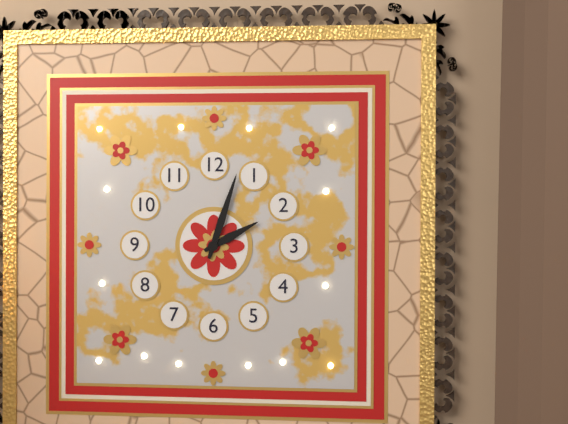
2:03
